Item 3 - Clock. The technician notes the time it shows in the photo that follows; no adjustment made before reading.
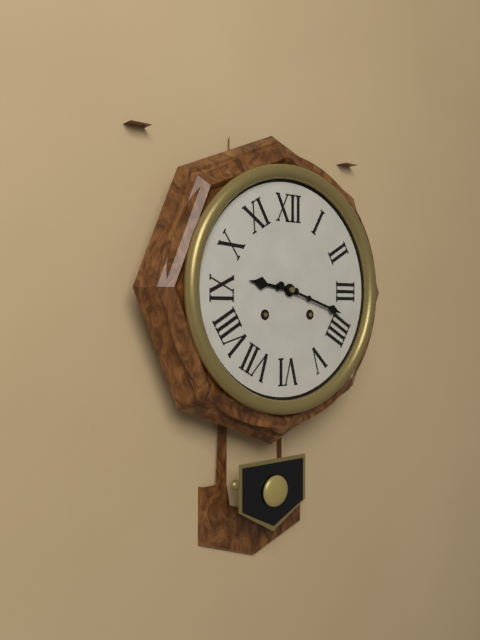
9:18
